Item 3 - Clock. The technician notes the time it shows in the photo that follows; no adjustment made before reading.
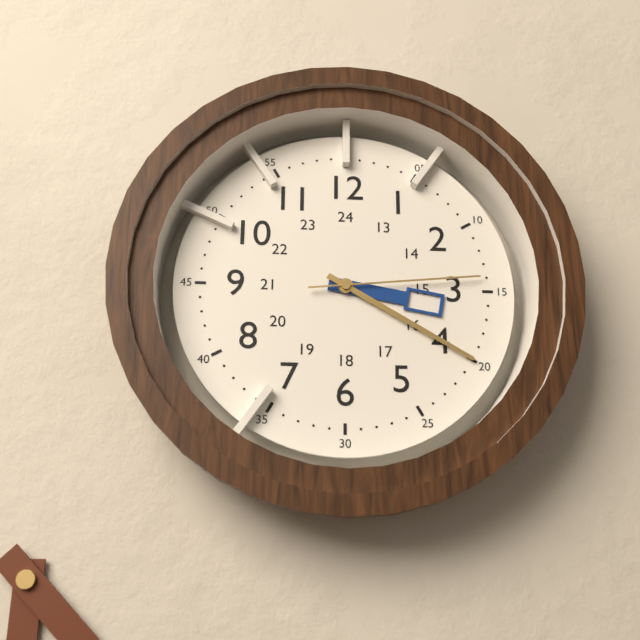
3:20:14
